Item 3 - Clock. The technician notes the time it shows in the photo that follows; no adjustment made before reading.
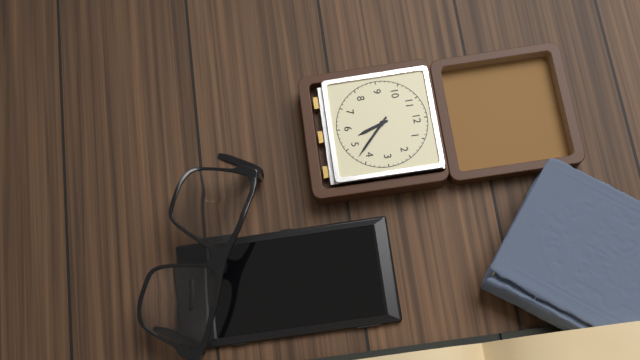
5:22
